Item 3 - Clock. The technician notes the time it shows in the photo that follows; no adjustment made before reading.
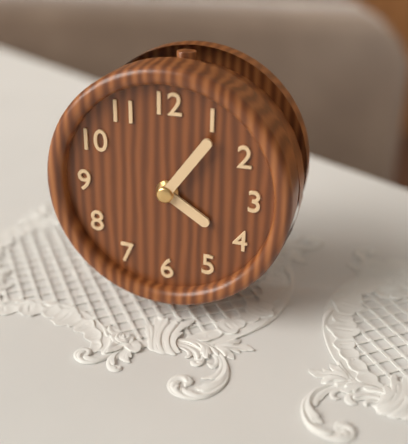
4:06
